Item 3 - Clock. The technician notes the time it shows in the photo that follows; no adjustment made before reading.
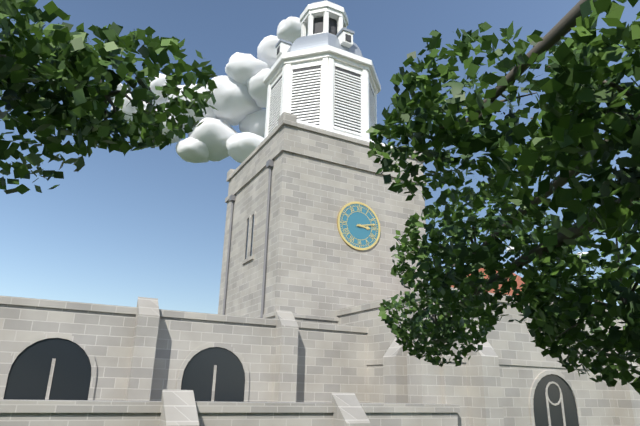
3:13
